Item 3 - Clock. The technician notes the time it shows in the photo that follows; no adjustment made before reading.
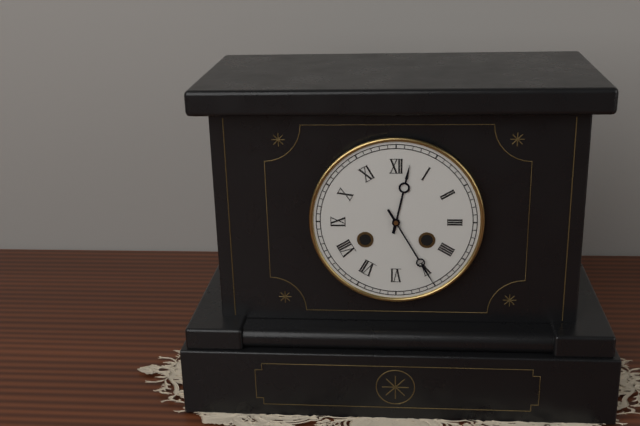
12:25
